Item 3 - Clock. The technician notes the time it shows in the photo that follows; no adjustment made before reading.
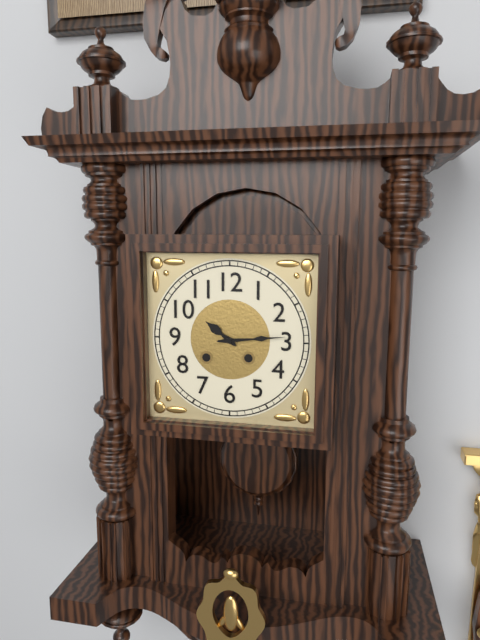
10:14
